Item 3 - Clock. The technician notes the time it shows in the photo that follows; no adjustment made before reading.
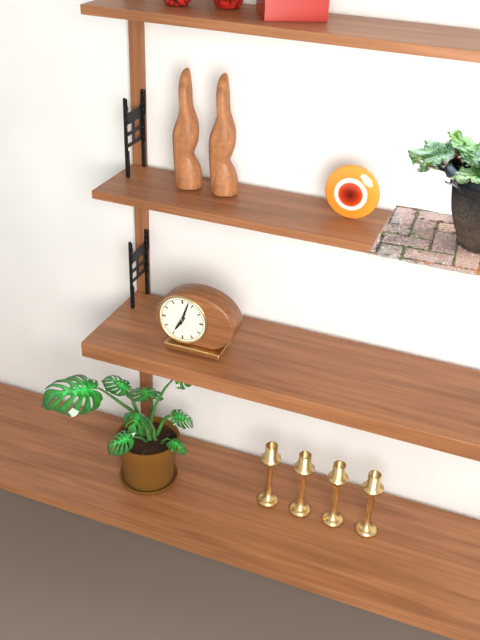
7:03
